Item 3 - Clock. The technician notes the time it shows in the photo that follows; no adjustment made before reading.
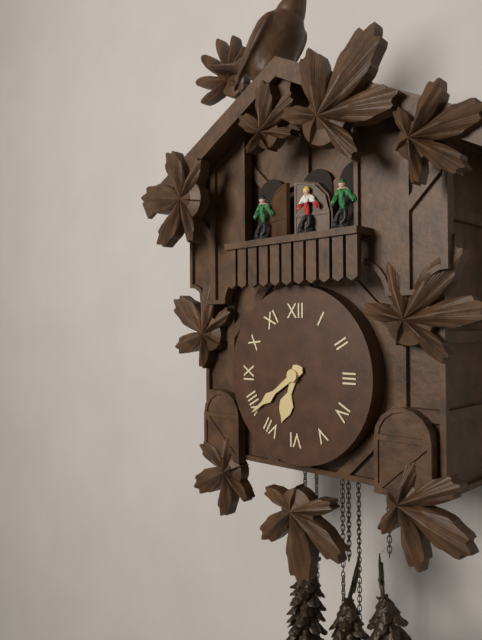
6:39
